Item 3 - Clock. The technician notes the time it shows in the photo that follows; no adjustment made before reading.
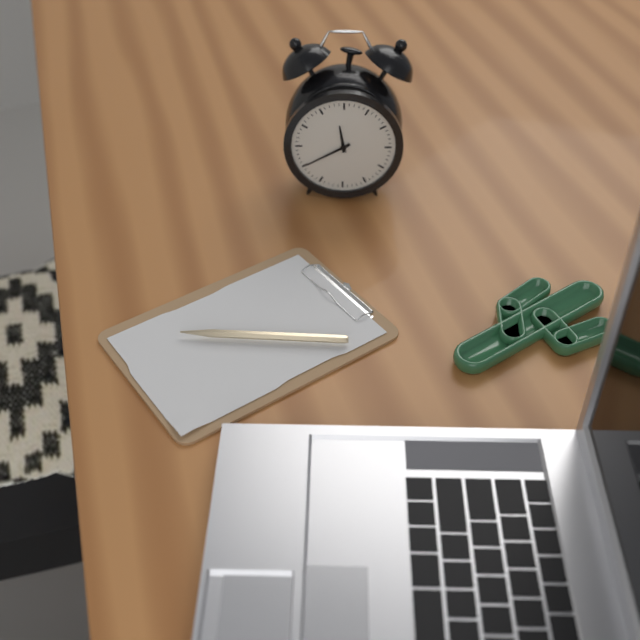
11:40
